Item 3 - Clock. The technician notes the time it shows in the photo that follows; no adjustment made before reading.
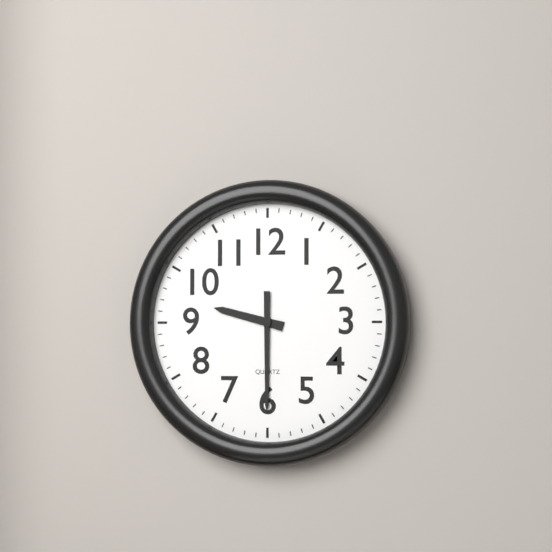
9:30
